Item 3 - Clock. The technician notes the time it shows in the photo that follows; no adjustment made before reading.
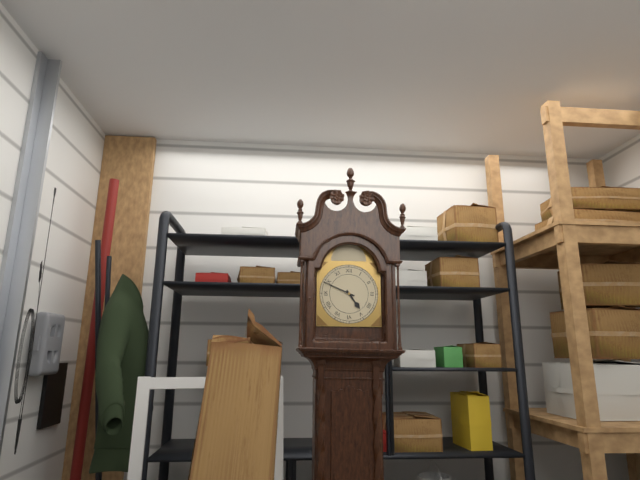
4:49
